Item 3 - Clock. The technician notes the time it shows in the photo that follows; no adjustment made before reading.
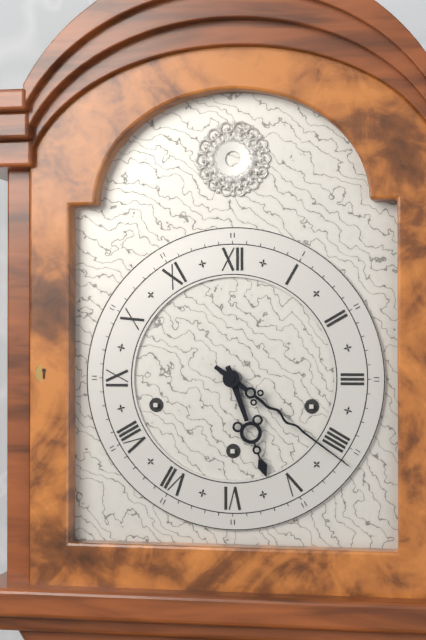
5:21
